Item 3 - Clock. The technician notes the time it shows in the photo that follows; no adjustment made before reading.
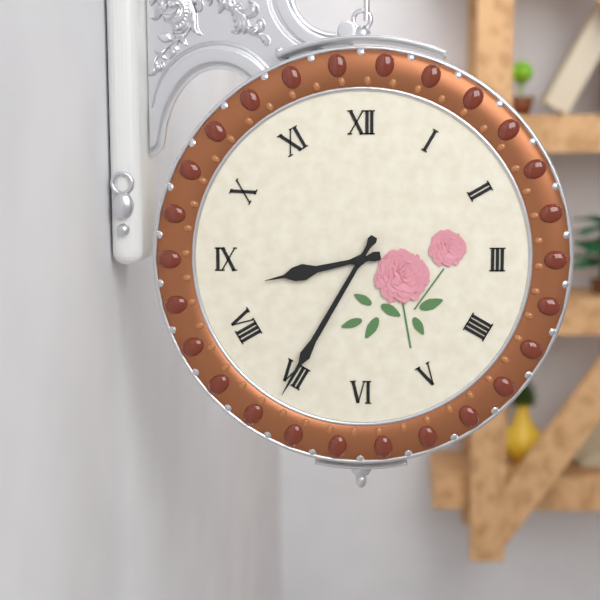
8:35
